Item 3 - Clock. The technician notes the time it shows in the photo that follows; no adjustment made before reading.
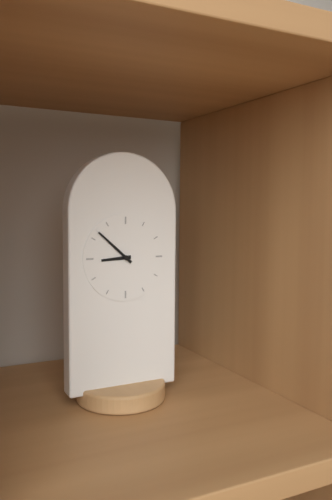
8:52
